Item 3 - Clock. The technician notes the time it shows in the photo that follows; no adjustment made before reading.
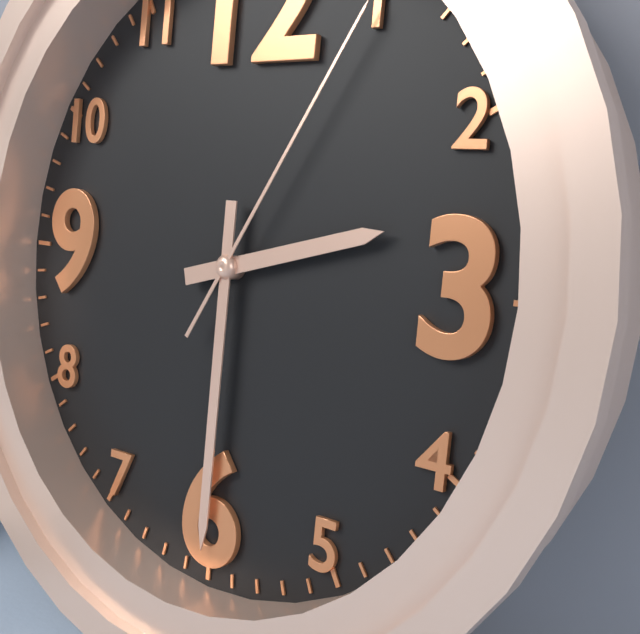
2:30
